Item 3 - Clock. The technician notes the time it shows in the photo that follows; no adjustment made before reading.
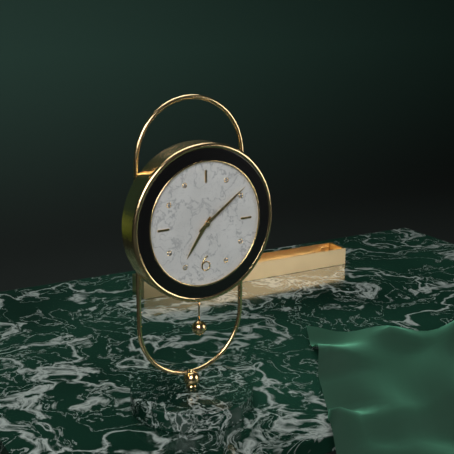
7:09
